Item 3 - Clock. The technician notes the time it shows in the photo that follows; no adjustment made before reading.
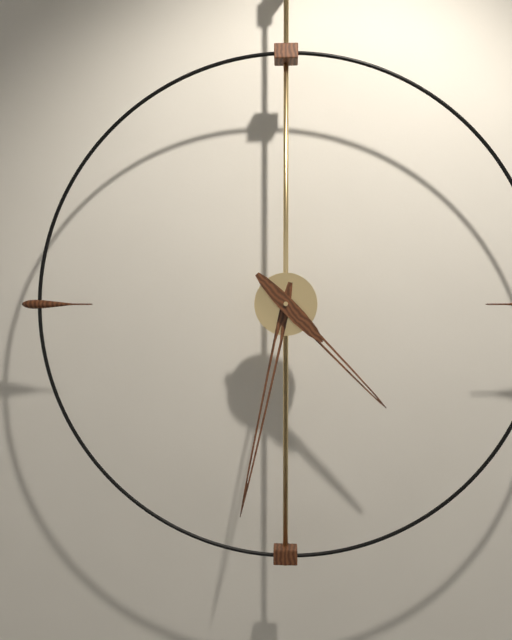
4:32
